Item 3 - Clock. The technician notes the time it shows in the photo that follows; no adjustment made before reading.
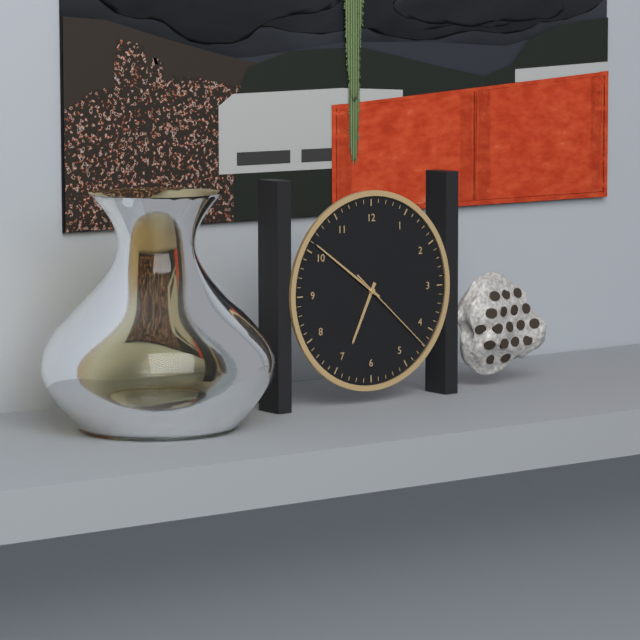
6:51:22
